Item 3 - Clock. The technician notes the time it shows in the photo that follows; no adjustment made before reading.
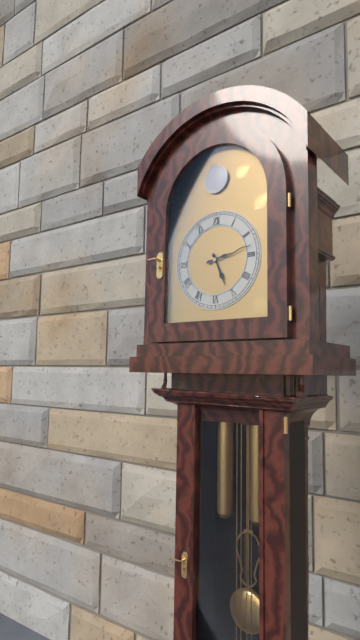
5:13
